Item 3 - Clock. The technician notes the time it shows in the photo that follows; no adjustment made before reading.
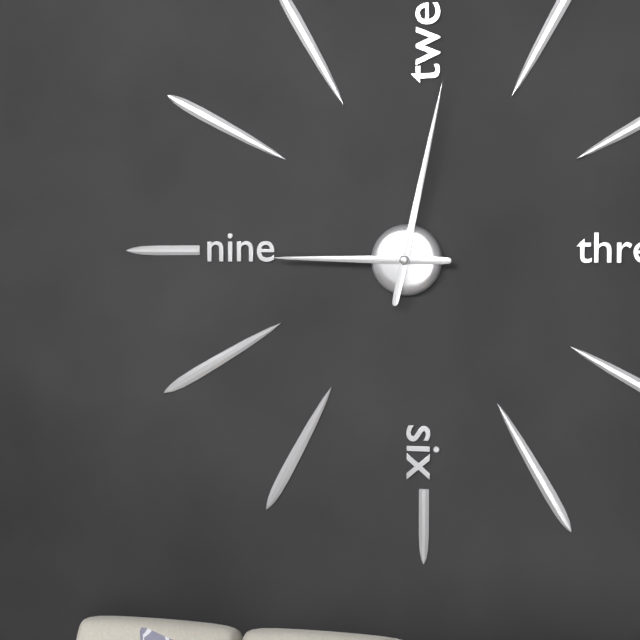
9:02
